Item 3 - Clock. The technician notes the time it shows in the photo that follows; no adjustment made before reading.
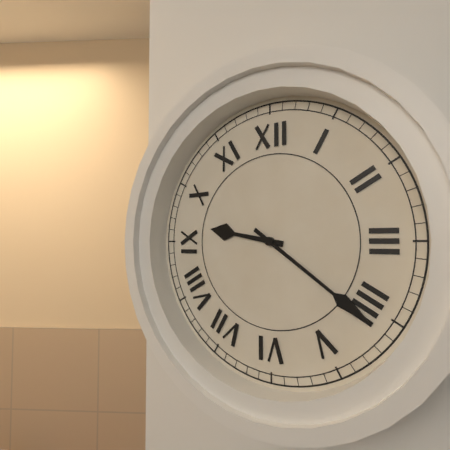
9:21
